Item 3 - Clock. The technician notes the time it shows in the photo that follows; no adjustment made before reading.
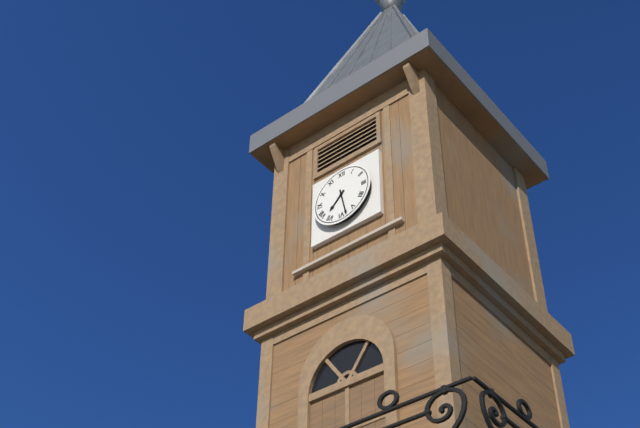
7:28
